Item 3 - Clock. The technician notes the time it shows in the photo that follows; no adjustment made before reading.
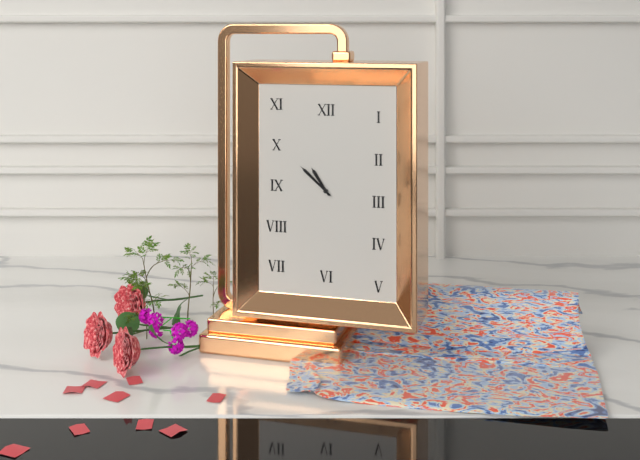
10:52
